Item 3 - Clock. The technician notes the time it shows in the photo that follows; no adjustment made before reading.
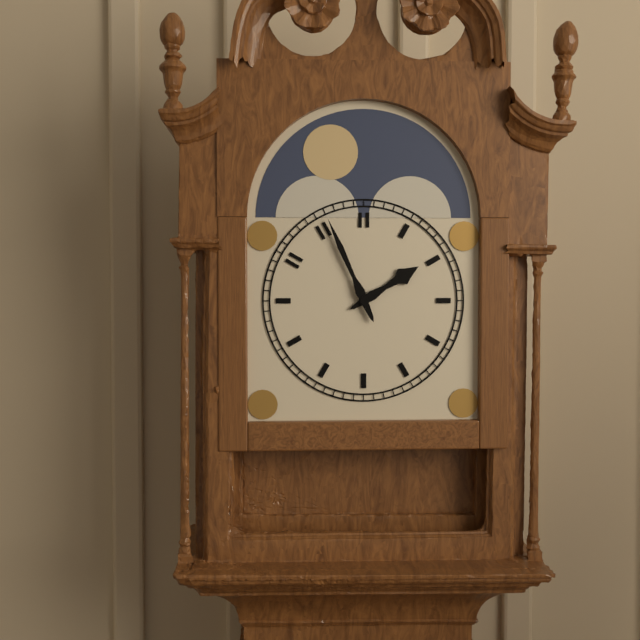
1:56
